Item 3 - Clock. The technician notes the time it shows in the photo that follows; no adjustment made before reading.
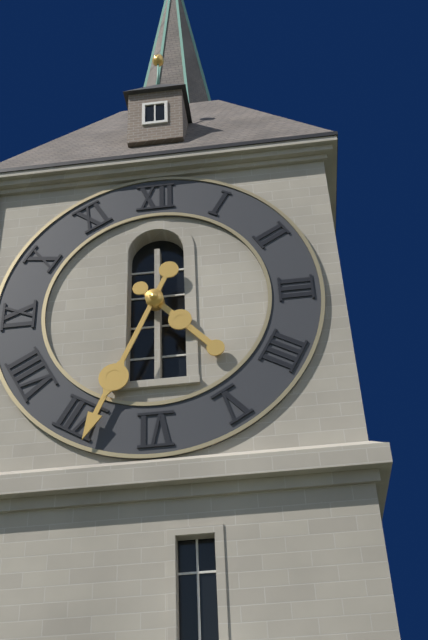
4:34
